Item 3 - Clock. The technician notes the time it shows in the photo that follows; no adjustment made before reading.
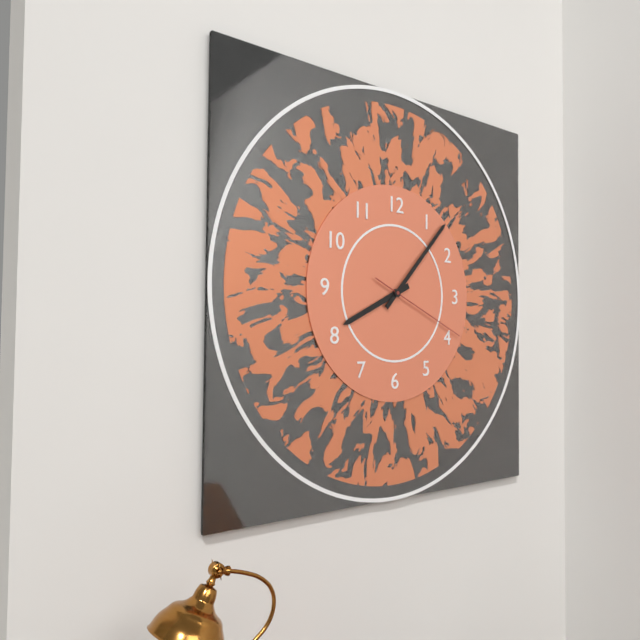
8:07:19
